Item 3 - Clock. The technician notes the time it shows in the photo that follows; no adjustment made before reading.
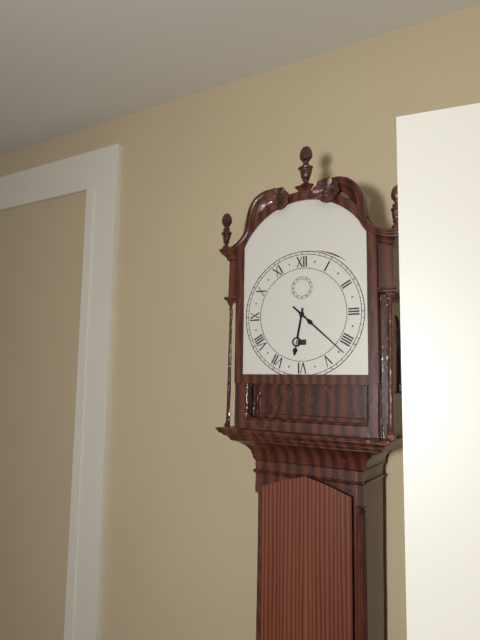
6:22
